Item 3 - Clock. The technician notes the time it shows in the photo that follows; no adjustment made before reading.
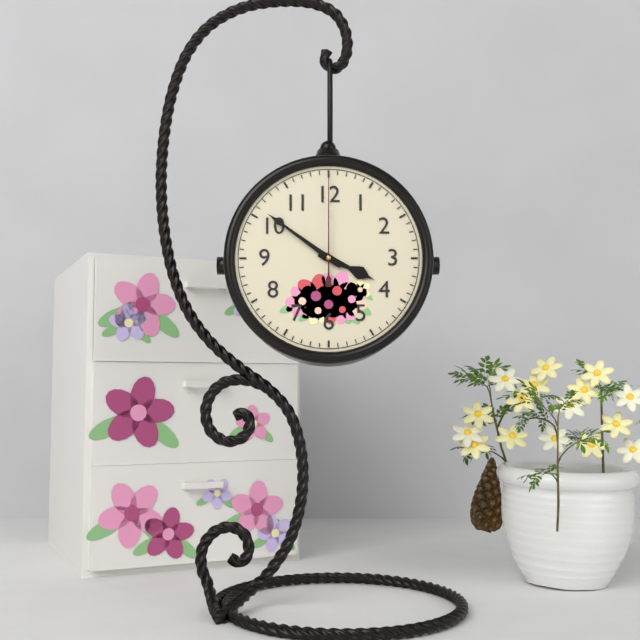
3:51:00
